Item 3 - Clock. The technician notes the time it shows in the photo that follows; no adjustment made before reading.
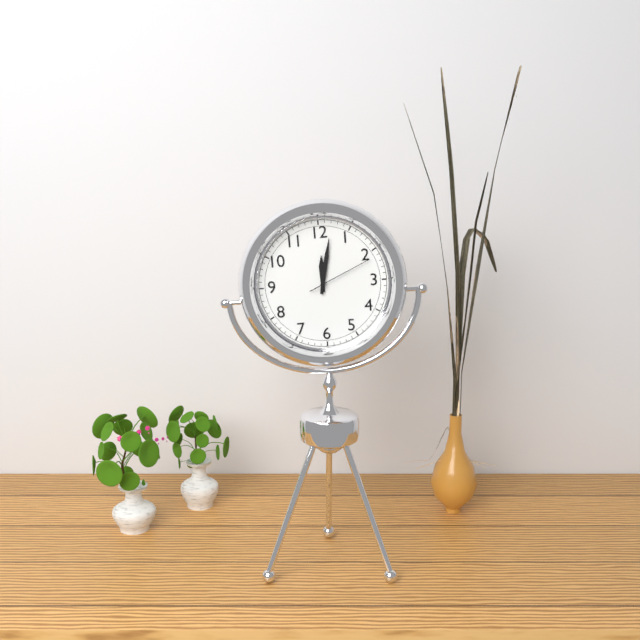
12:02:11
